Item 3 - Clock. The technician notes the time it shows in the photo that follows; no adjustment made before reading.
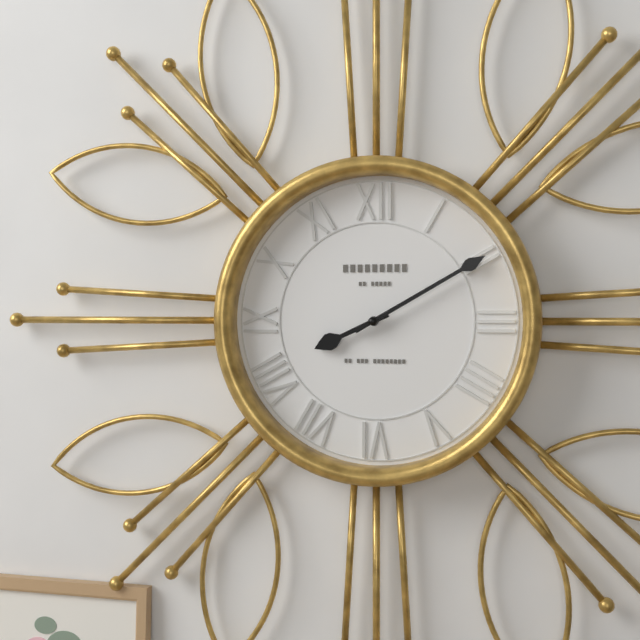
8:10
